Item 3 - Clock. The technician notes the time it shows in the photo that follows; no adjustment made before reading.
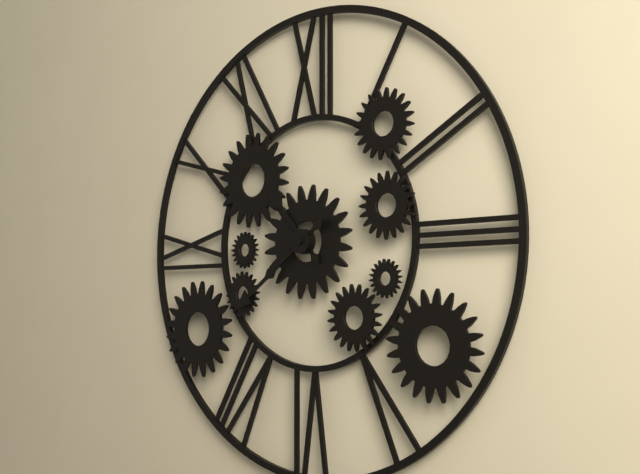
10:39
